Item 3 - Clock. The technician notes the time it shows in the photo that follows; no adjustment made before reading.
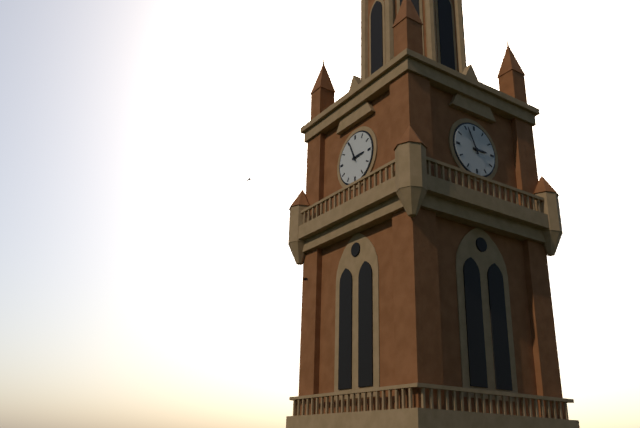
2:56
